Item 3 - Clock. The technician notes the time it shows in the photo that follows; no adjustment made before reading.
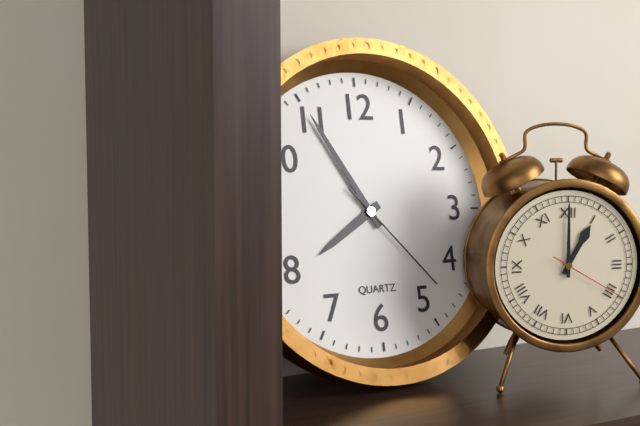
7:55:23
